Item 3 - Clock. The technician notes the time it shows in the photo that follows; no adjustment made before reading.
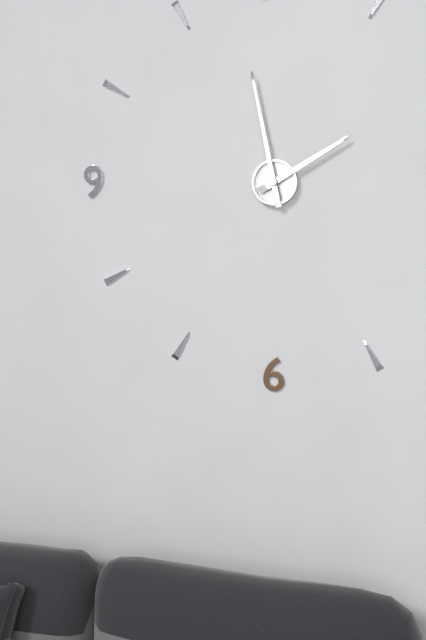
1:58
